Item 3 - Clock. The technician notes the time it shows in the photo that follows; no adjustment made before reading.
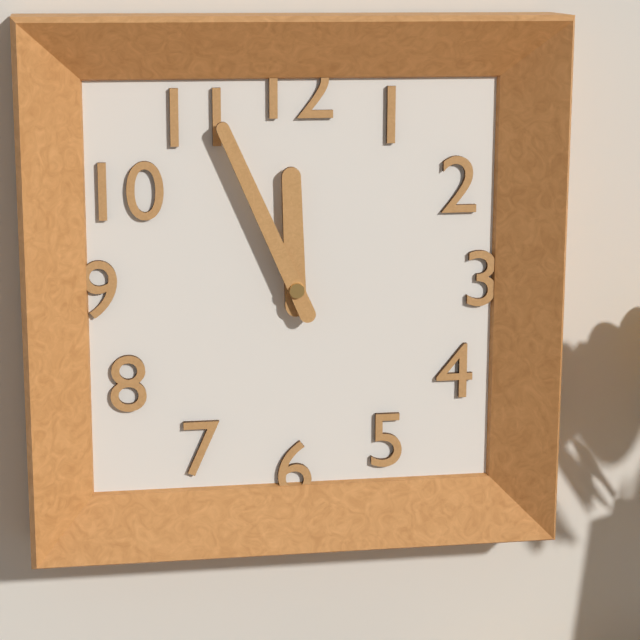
11:56
